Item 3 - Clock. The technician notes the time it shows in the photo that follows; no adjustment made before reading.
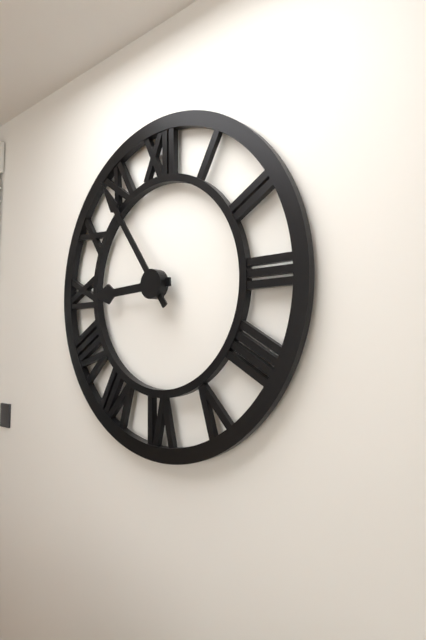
8:54
